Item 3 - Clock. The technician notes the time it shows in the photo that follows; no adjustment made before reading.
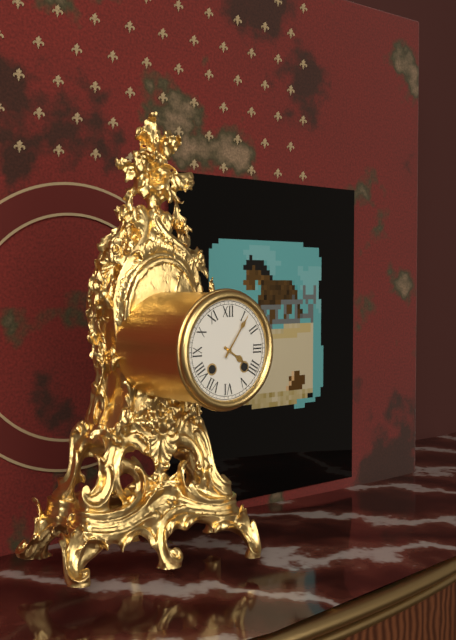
4:06
